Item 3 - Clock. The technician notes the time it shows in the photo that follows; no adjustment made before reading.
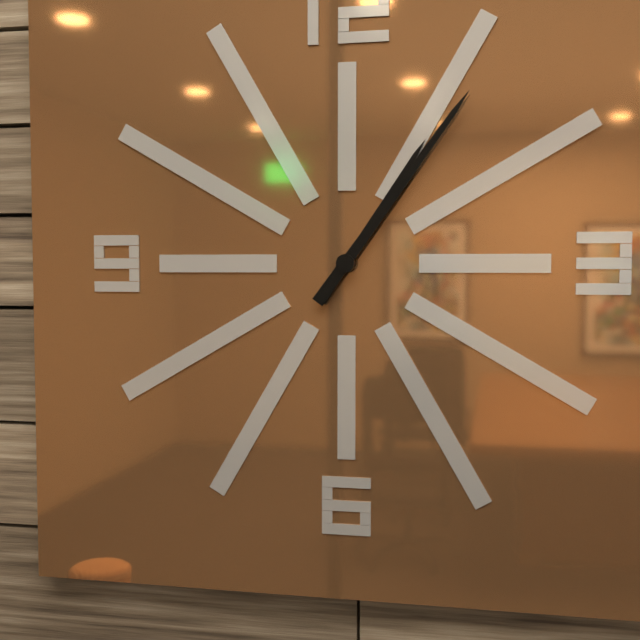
1:06
